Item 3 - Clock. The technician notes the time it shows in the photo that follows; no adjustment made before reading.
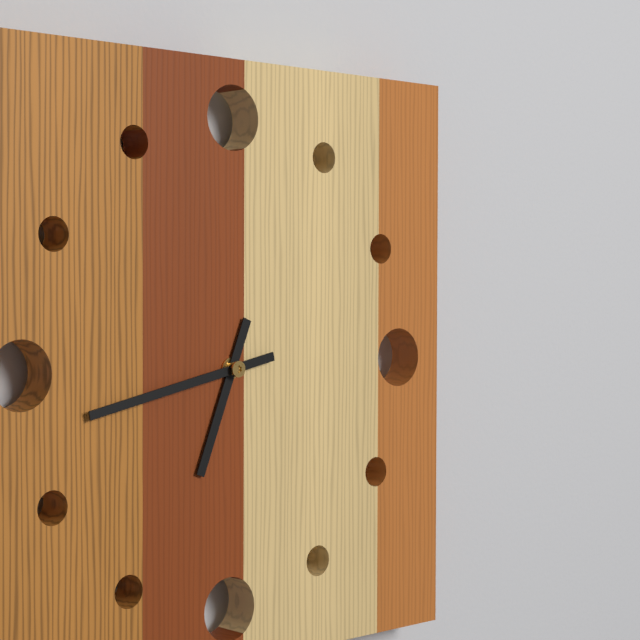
6:43
